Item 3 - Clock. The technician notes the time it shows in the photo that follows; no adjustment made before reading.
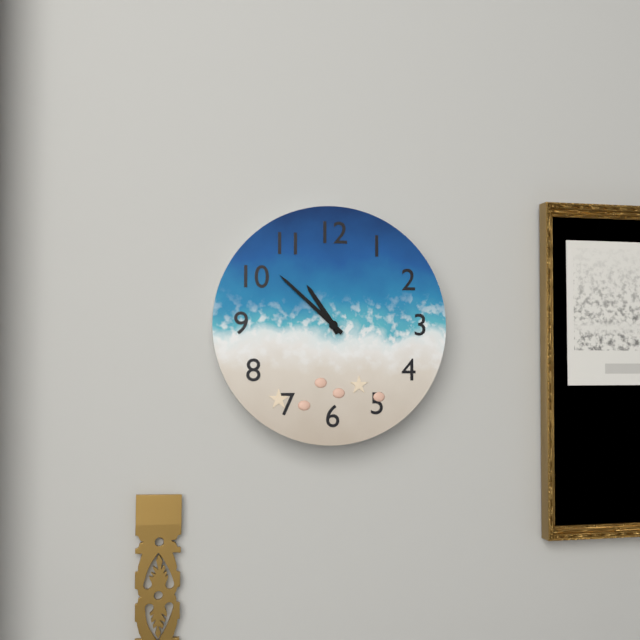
10:52
